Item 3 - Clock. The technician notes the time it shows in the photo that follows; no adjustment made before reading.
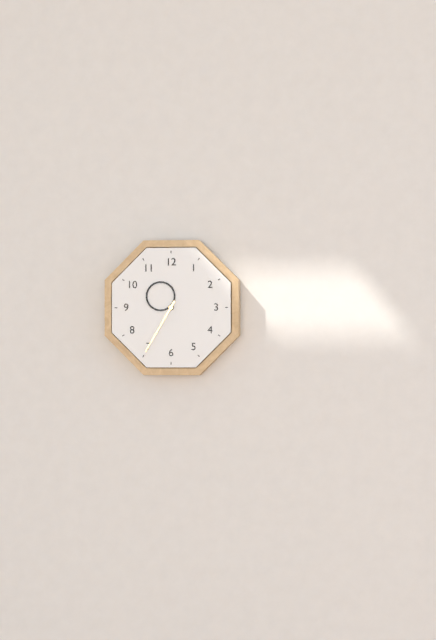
10:35
